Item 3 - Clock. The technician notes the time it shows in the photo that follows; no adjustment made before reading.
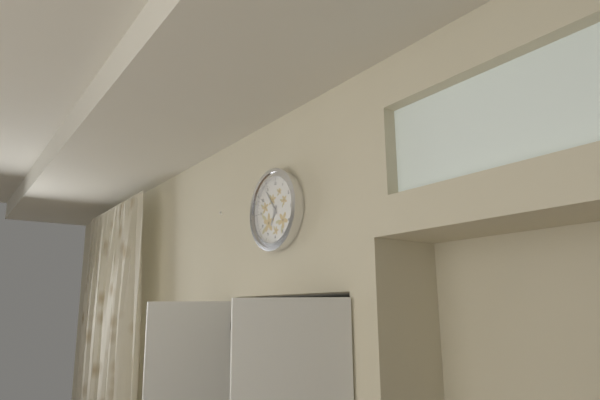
6:54
